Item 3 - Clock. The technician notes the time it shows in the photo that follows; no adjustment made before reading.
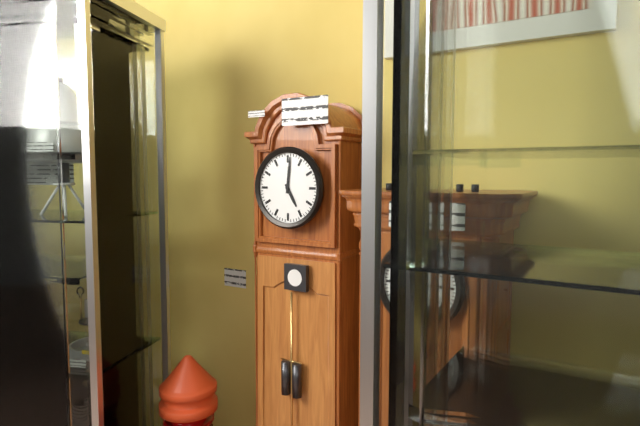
5:01
